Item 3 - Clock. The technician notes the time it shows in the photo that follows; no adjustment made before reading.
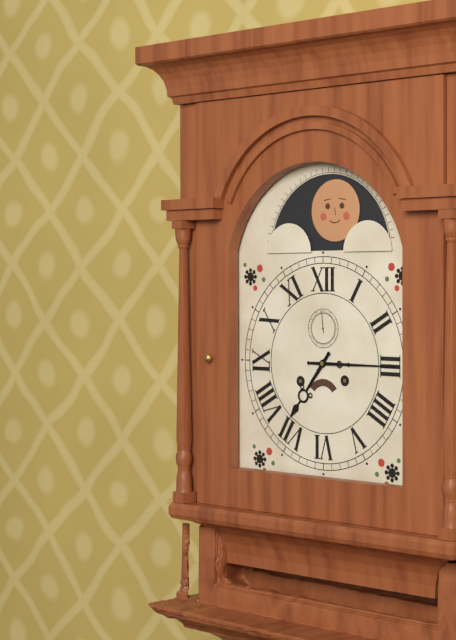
7:15
